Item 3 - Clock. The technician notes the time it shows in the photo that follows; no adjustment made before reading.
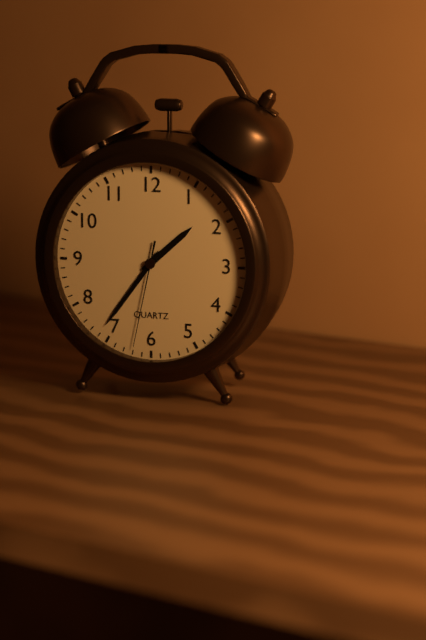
1:36:32
